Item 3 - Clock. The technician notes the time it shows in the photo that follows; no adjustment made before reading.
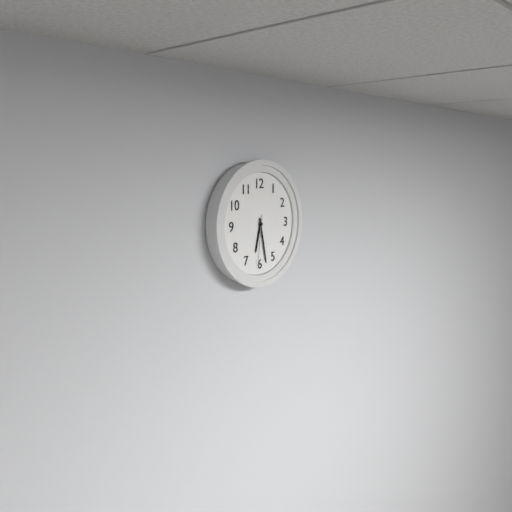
6:28:31
